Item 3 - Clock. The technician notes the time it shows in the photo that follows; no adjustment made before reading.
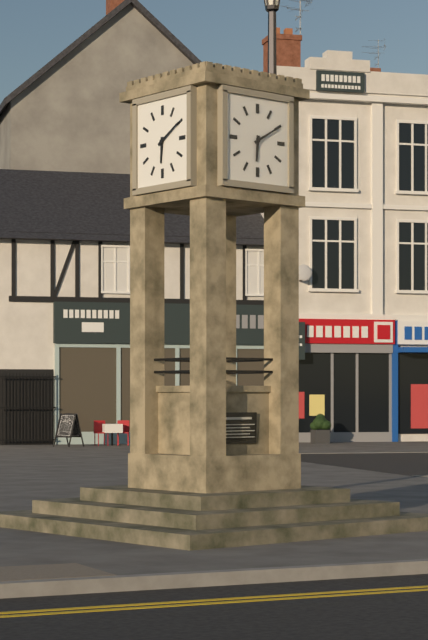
6:10
